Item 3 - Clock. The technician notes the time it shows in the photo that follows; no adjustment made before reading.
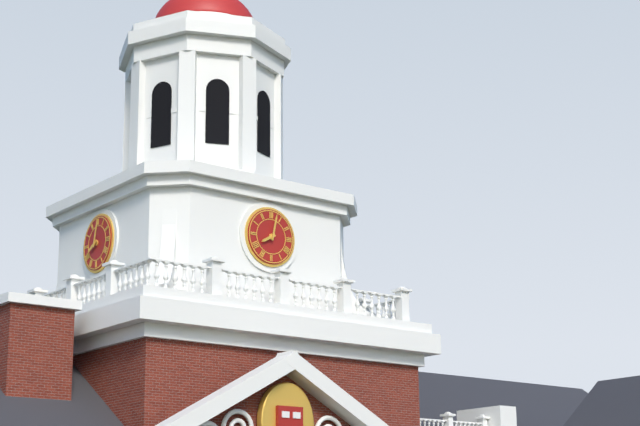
8:02
